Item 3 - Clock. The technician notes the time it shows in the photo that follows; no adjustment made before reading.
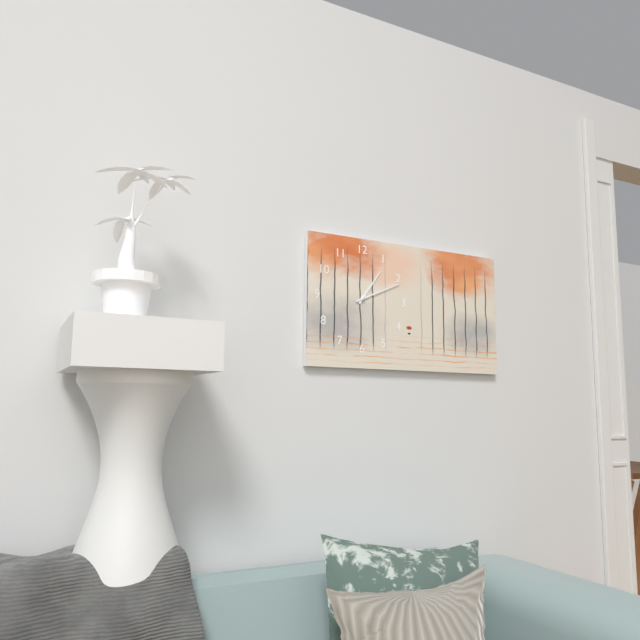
1:11
